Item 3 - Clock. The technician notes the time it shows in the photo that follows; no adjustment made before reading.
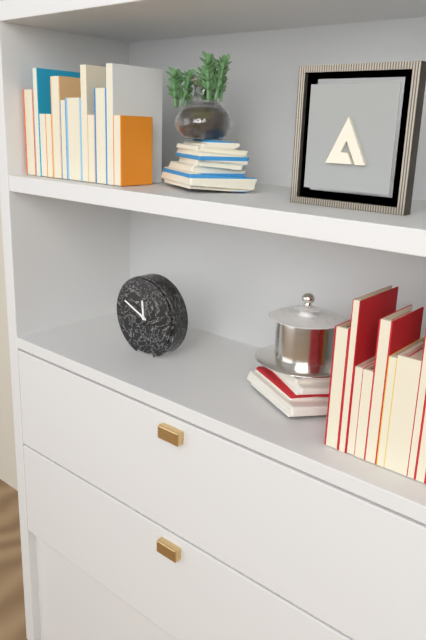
11:49
